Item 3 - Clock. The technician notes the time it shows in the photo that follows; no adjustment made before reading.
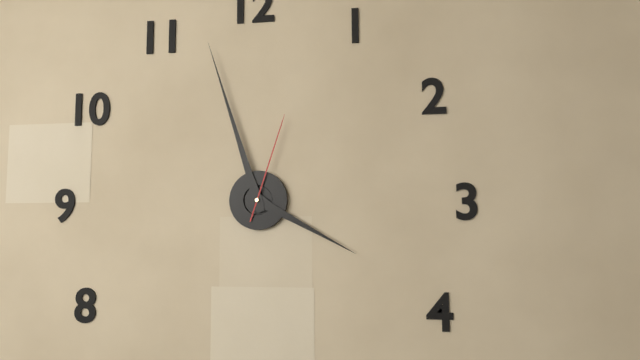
3:57:03
